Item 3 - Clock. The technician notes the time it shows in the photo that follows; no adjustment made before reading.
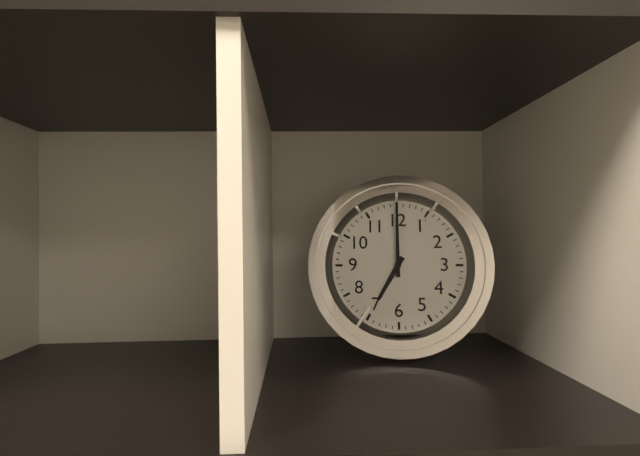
7:00
